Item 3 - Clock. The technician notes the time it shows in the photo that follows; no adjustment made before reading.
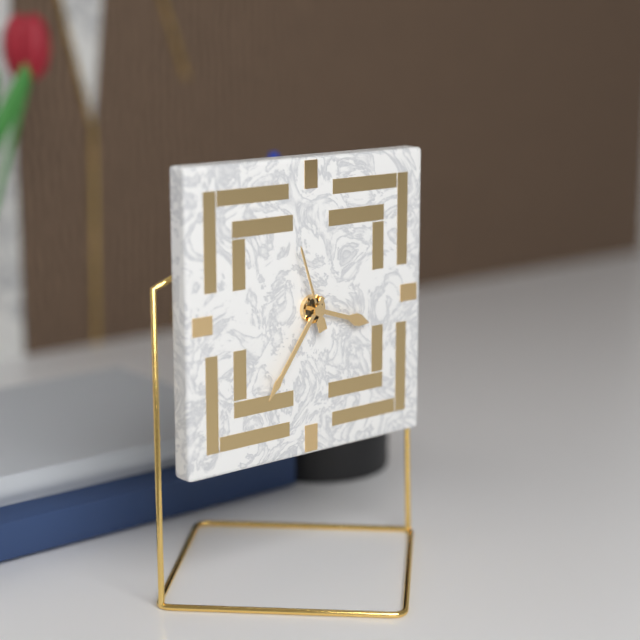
3:36:57
